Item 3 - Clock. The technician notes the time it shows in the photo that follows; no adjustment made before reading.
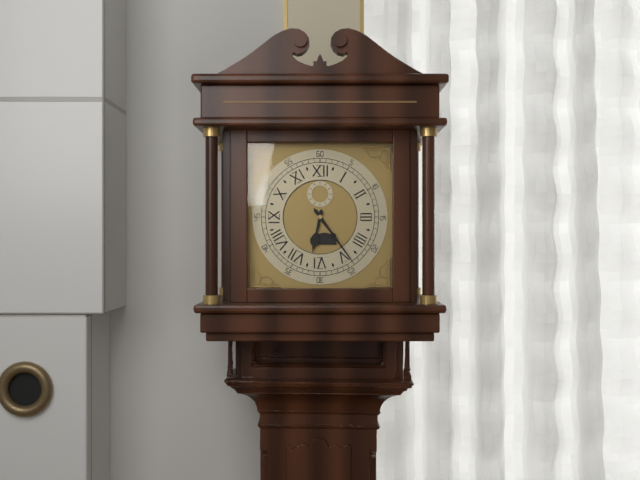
6:24
